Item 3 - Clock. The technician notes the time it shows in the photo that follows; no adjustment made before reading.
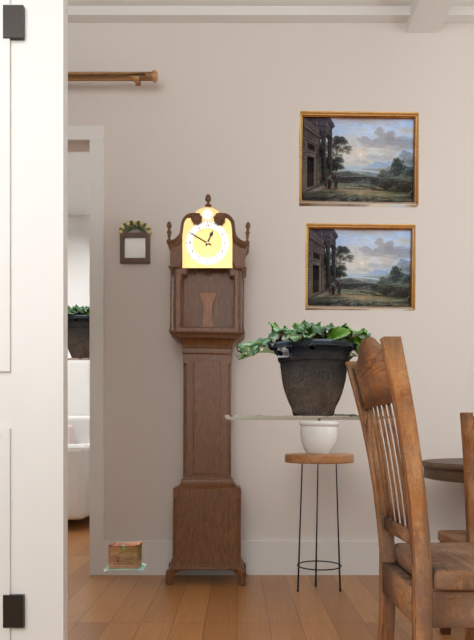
12:50
